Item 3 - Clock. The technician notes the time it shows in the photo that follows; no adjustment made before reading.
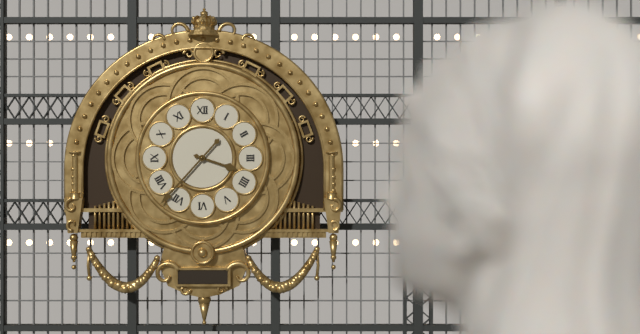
3:37
